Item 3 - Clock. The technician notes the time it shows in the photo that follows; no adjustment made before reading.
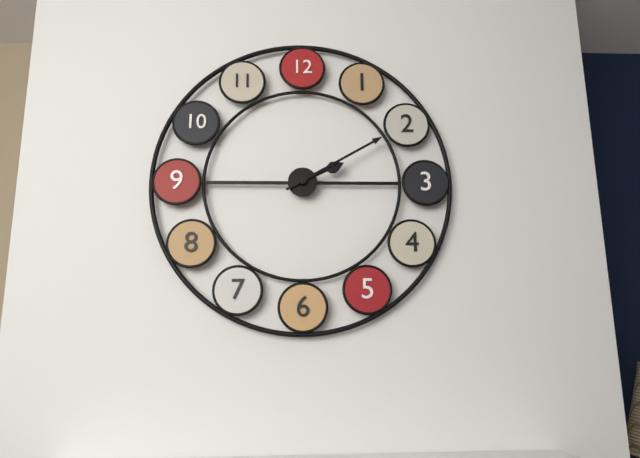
2:10
